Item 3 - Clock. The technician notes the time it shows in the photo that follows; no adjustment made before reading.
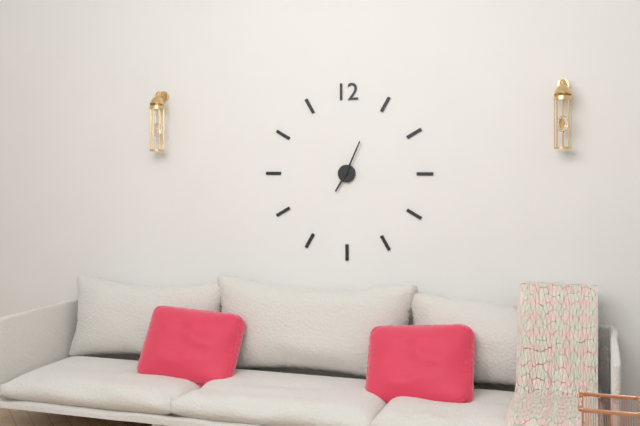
7:04
